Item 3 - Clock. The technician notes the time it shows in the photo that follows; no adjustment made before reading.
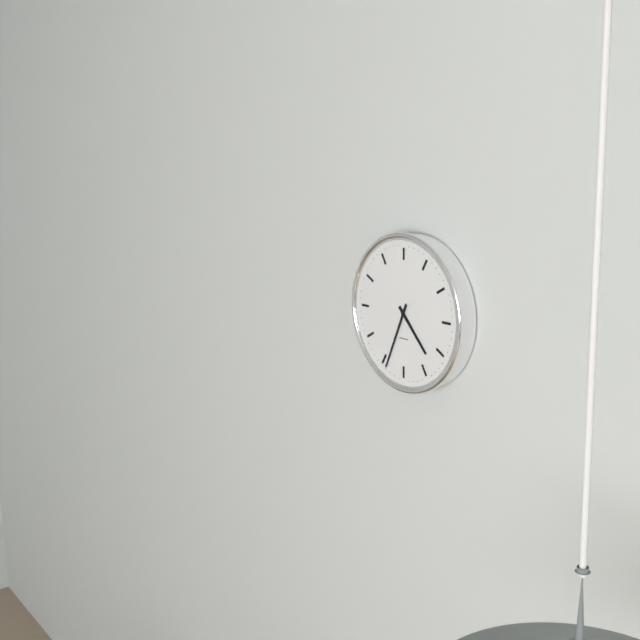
4:34
